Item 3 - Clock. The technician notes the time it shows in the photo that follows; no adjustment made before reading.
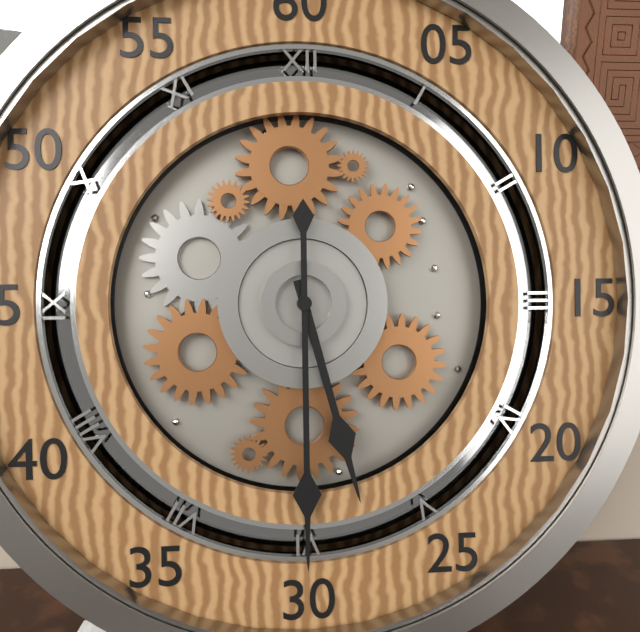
5:30
